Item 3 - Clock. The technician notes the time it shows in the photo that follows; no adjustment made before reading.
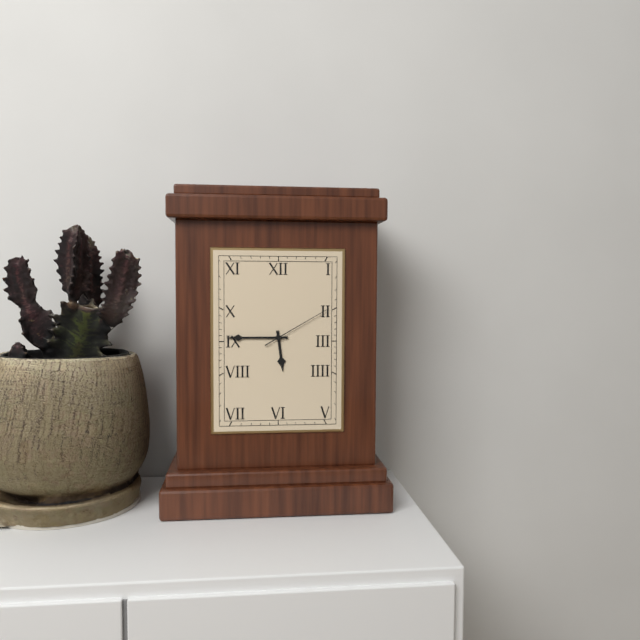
5:45:10
